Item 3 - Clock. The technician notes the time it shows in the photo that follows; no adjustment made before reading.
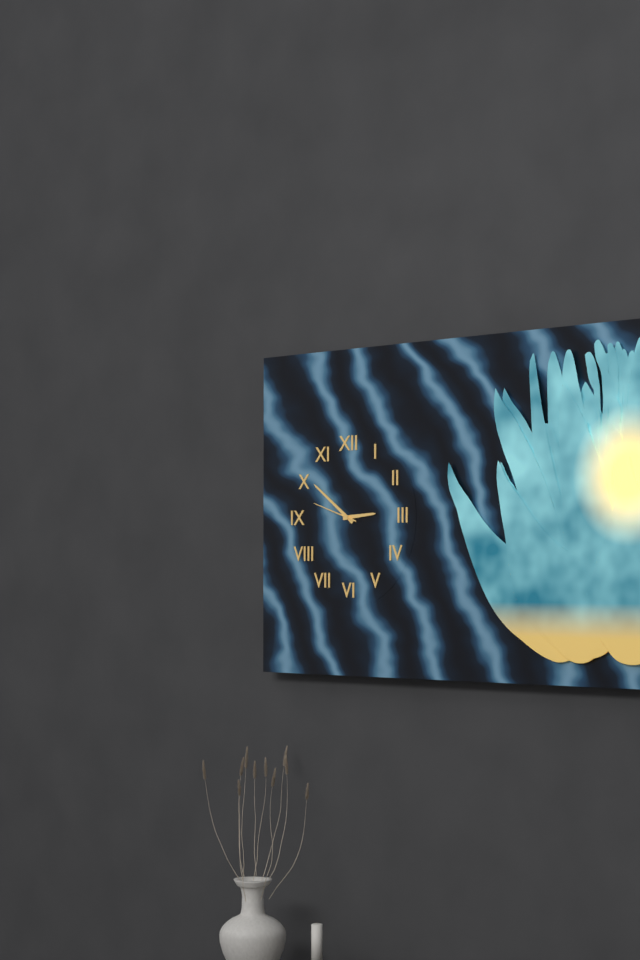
2:51
